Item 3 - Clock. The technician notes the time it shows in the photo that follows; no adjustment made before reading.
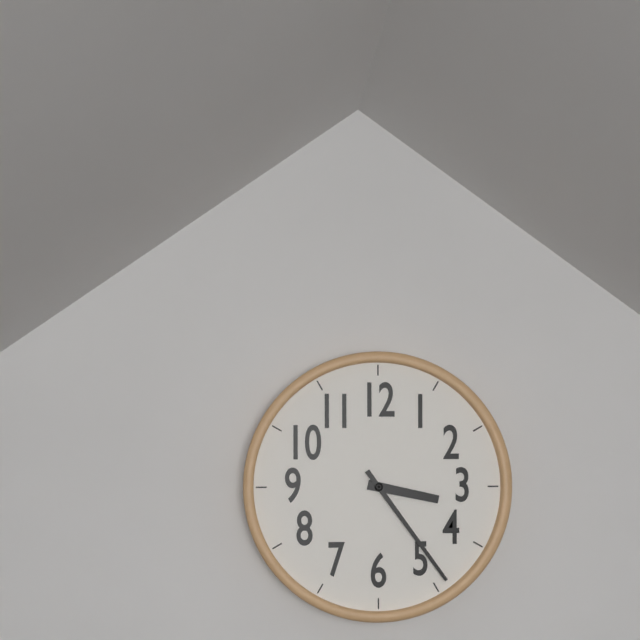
3:24
